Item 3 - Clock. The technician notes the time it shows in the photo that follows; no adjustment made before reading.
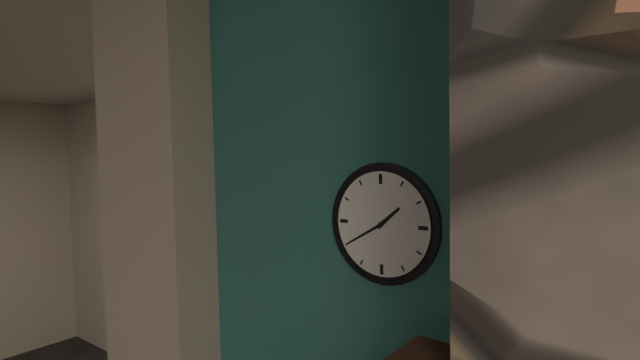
1:40
